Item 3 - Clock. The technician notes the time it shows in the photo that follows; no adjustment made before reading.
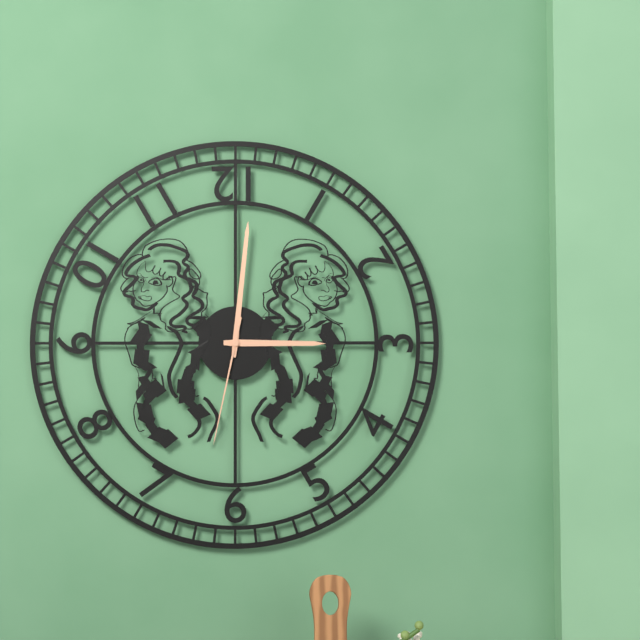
3:01:32
